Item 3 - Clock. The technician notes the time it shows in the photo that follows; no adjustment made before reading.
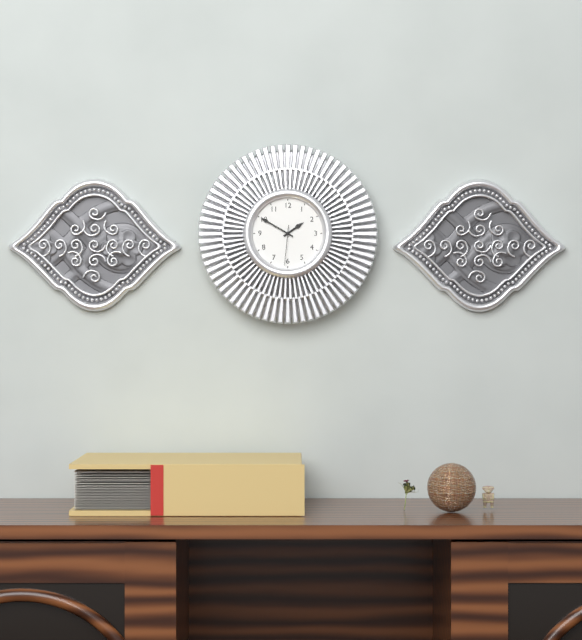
1:50
